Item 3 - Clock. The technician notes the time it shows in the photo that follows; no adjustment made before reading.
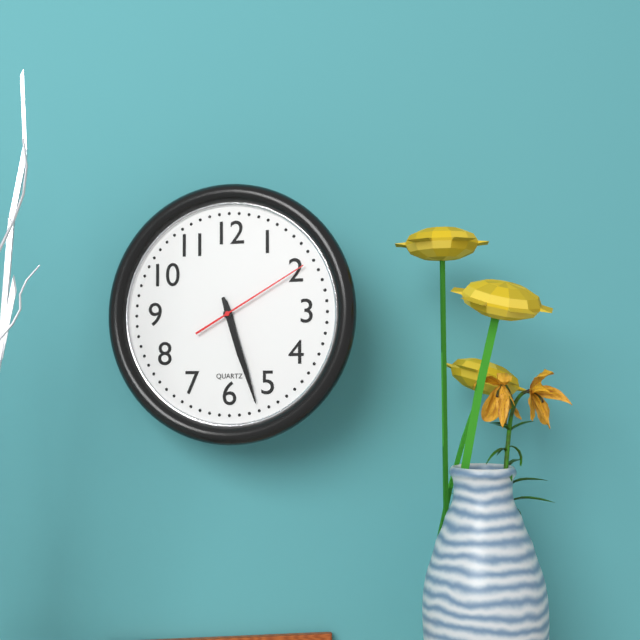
5:27:10
